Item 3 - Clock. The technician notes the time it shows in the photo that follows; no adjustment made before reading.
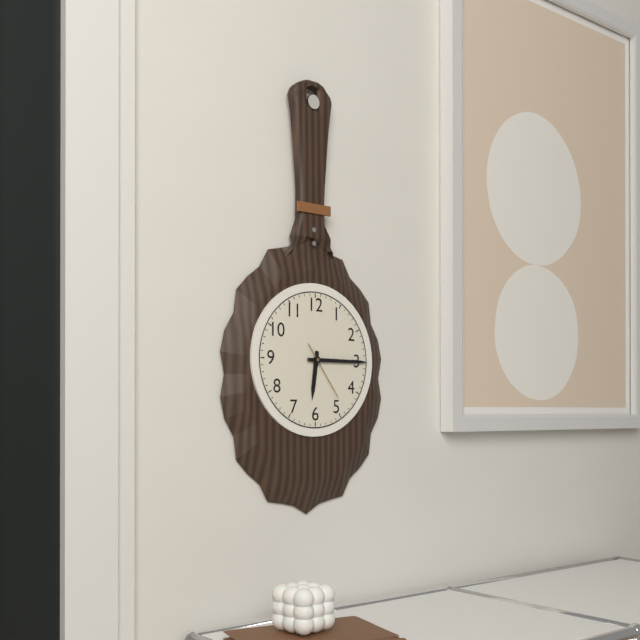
6:15:24
